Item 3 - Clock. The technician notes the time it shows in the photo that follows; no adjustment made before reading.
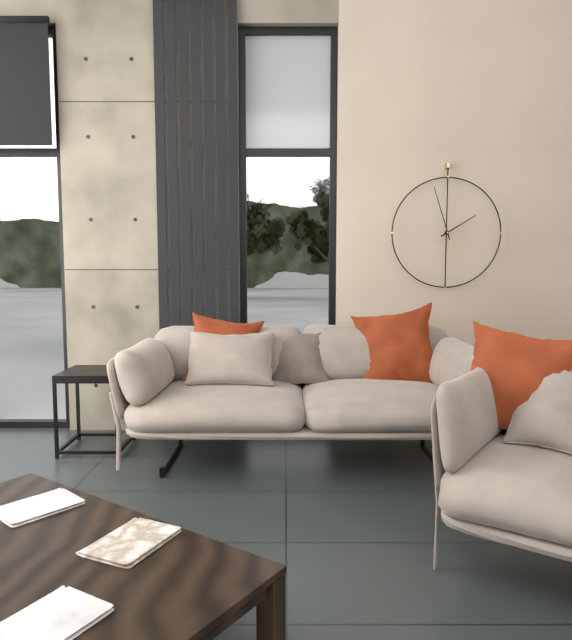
1:57
